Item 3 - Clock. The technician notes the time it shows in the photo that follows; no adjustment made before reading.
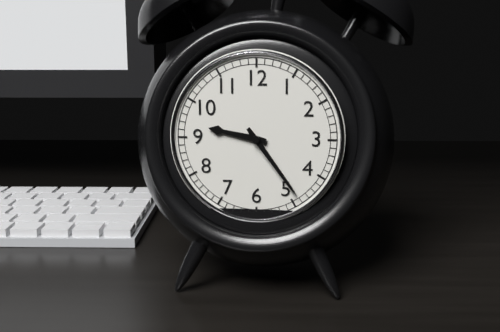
9:24
